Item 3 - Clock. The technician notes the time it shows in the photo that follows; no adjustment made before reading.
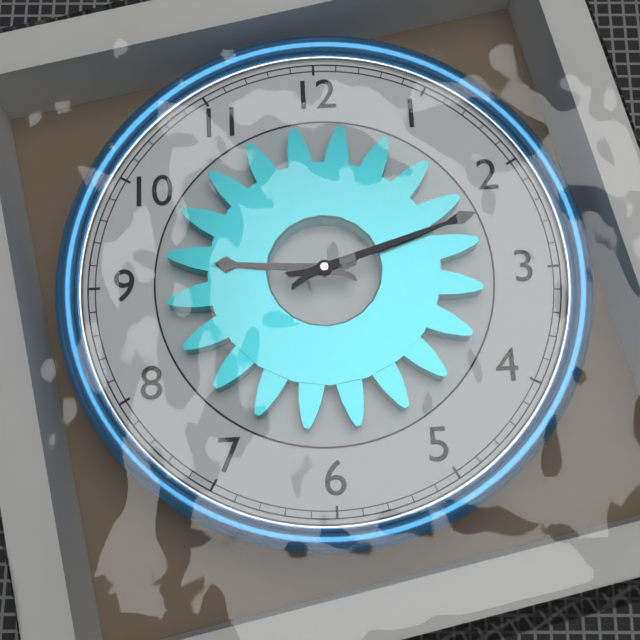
9:12
